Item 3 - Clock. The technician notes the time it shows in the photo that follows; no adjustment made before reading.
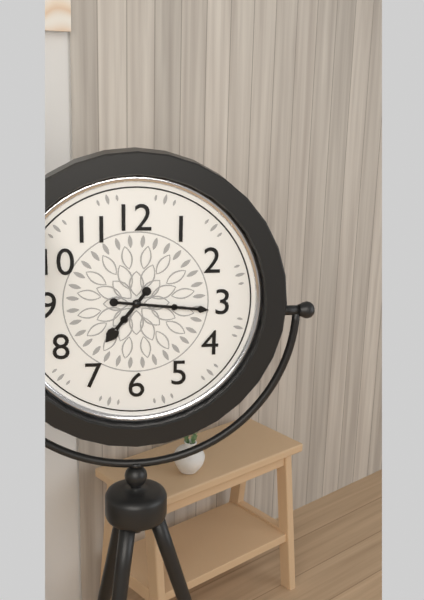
7:16
